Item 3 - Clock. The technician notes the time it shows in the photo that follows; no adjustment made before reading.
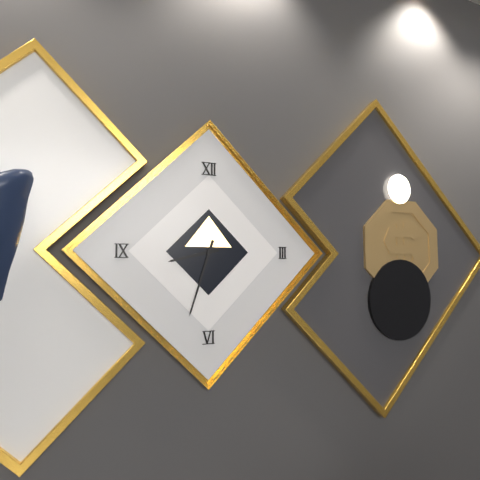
8:33
